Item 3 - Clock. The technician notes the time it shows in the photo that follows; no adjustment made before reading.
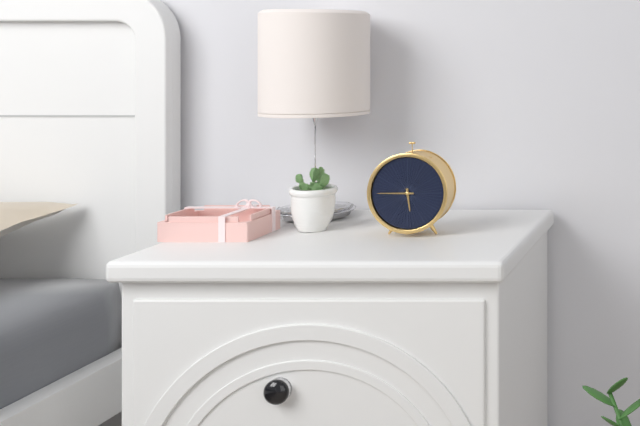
5:45
